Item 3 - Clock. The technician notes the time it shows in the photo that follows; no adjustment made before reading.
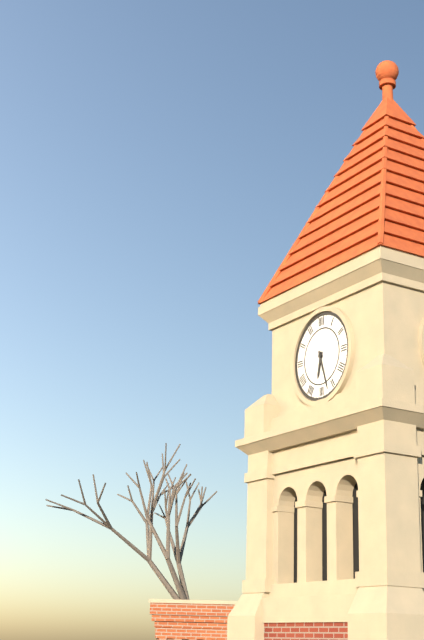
6:27
